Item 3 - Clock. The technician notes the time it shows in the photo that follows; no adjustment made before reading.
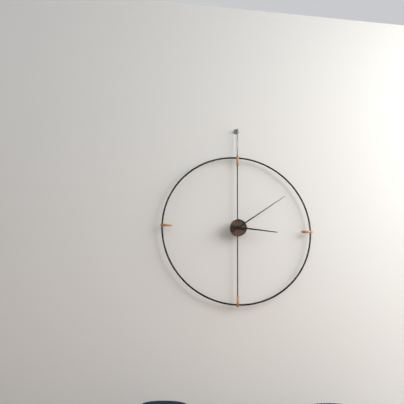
3:09
